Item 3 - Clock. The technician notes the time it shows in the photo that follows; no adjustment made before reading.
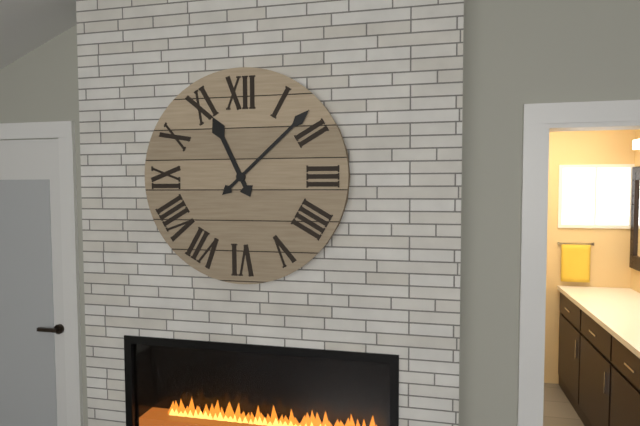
11:08
